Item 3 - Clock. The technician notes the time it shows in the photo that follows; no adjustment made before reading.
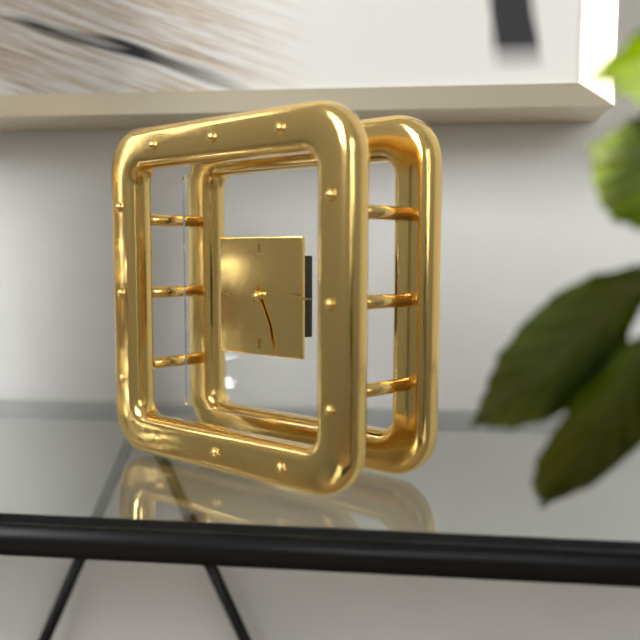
5:15
